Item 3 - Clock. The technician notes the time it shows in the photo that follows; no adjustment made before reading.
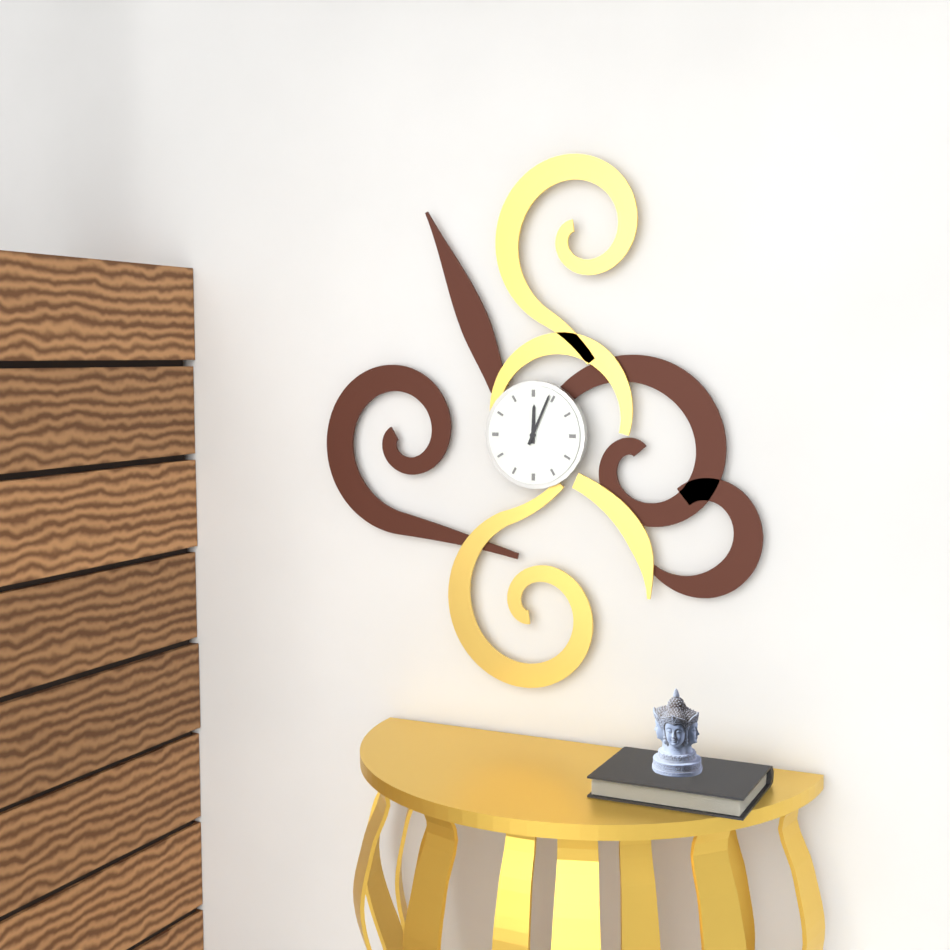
12:04
